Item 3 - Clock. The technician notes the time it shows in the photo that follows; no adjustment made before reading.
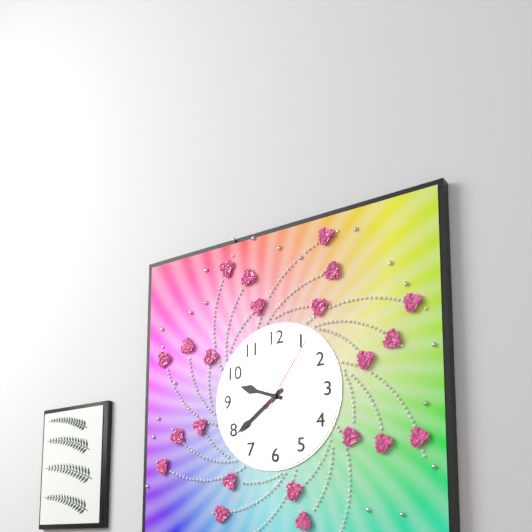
9:39:06
